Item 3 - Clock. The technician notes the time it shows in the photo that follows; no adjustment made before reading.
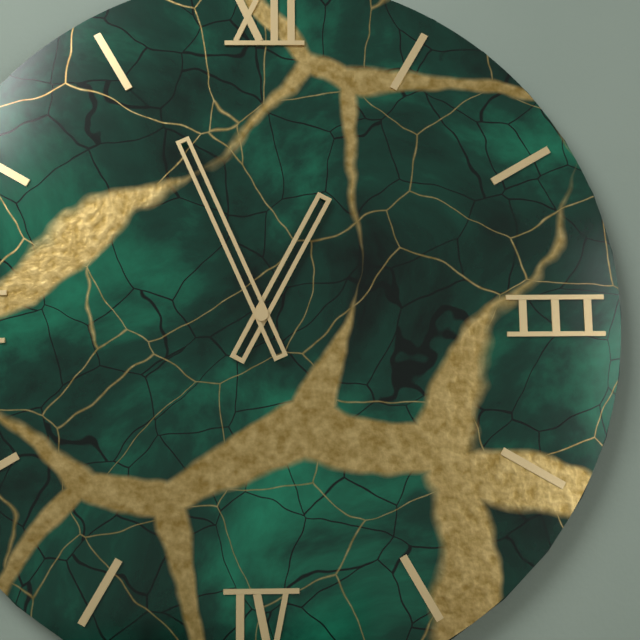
12:56
